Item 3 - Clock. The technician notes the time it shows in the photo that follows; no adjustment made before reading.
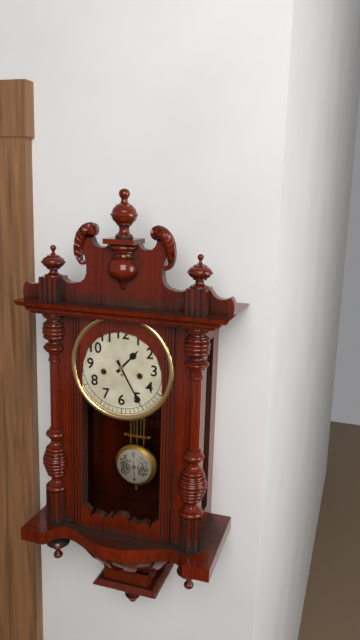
1:25
